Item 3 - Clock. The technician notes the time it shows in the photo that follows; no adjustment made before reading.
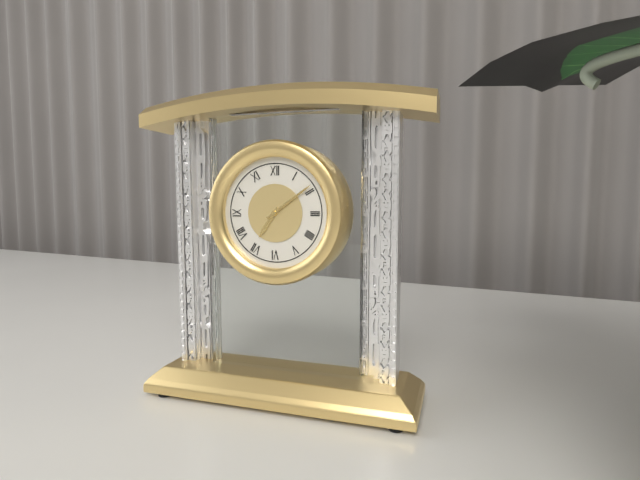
7:09
